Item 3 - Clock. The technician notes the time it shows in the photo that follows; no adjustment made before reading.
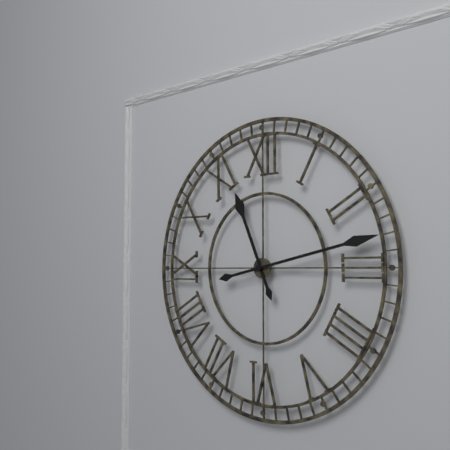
11:13
